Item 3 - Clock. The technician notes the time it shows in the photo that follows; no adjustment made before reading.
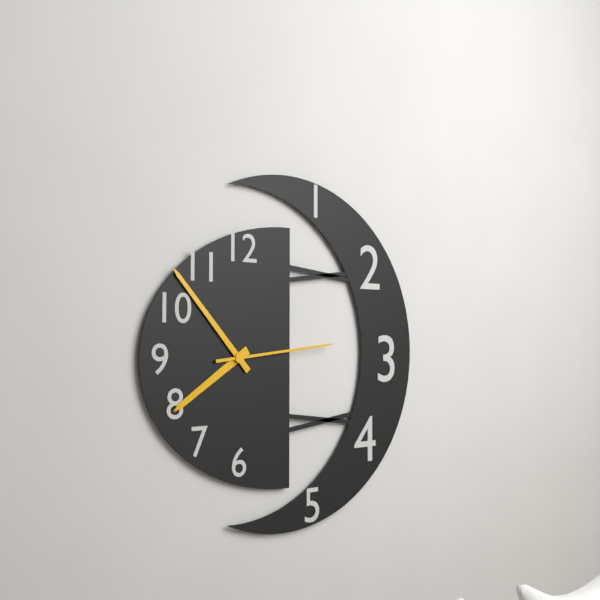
7:53:14
